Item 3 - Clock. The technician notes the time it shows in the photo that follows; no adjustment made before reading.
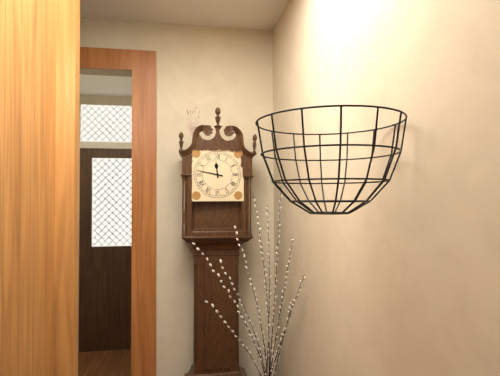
11:47
